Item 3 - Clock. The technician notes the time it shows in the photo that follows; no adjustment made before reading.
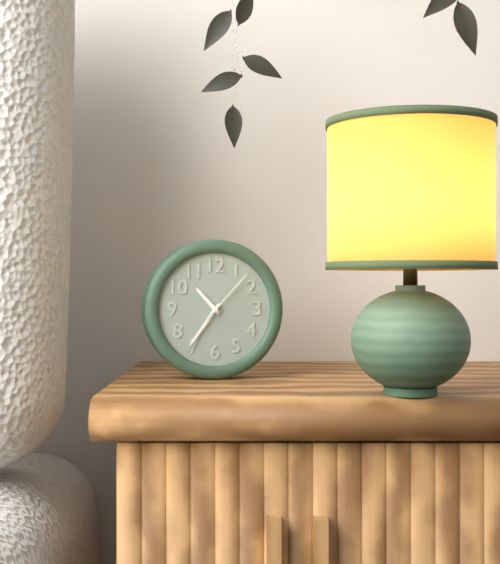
10:36:07
